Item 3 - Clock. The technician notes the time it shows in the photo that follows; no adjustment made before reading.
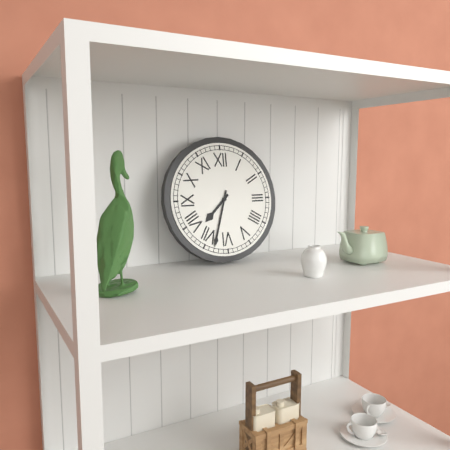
7:33
